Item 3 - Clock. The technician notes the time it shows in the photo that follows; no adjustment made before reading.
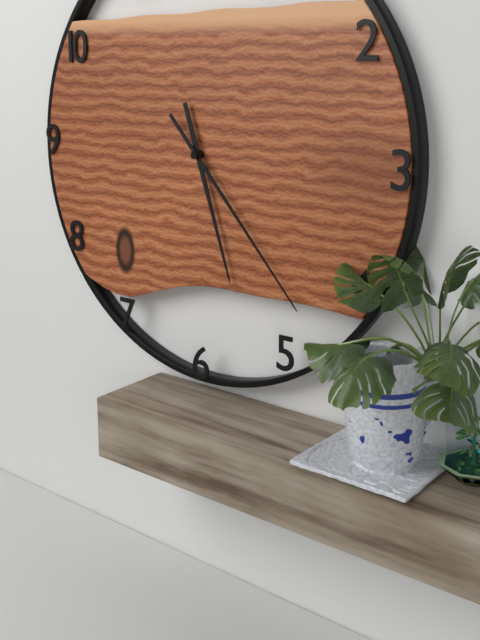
5:23
